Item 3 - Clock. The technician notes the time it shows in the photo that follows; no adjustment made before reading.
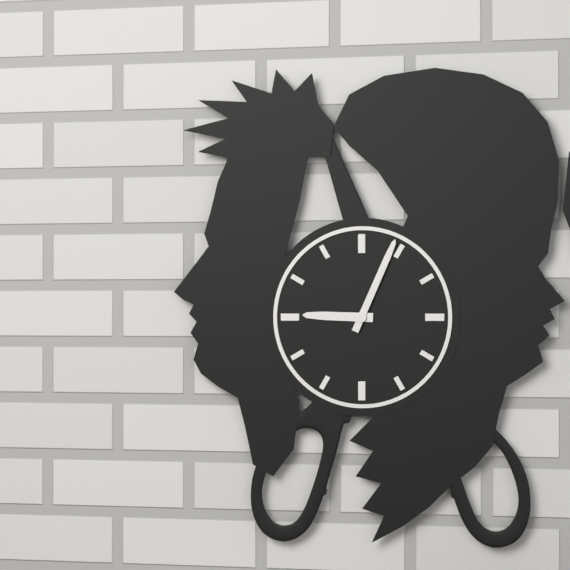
9:04
